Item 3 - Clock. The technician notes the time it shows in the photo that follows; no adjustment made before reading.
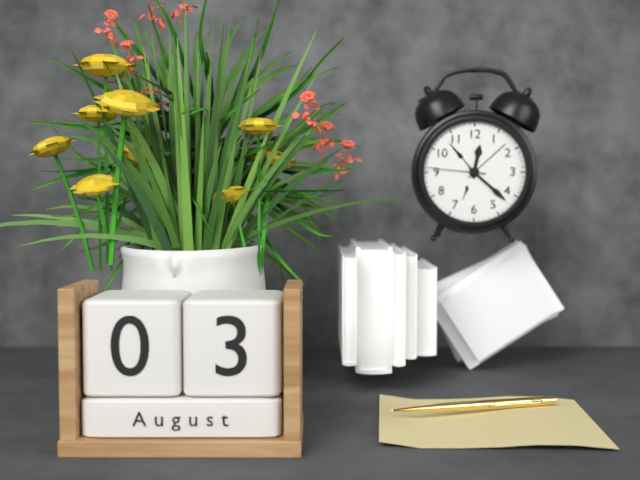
12:22:46
